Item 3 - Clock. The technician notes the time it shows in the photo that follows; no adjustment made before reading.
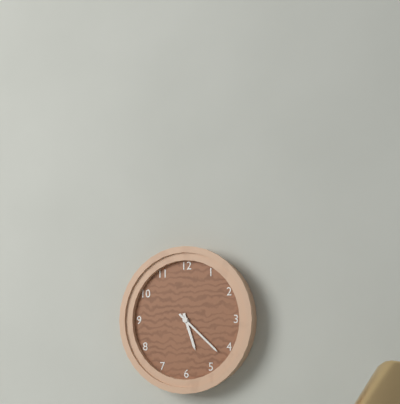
5:22
